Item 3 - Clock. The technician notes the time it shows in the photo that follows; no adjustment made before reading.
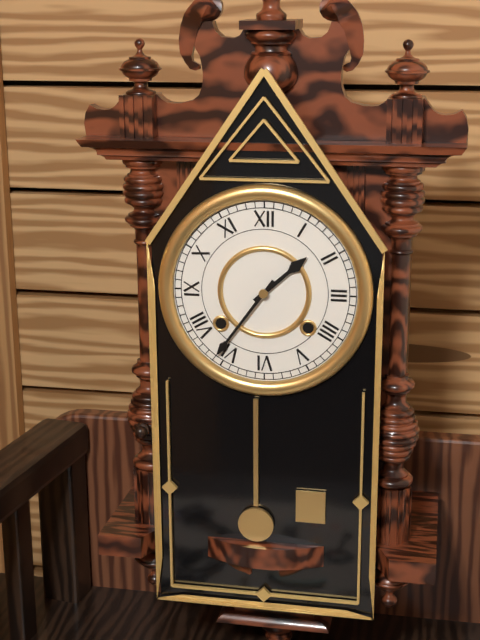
1:36
